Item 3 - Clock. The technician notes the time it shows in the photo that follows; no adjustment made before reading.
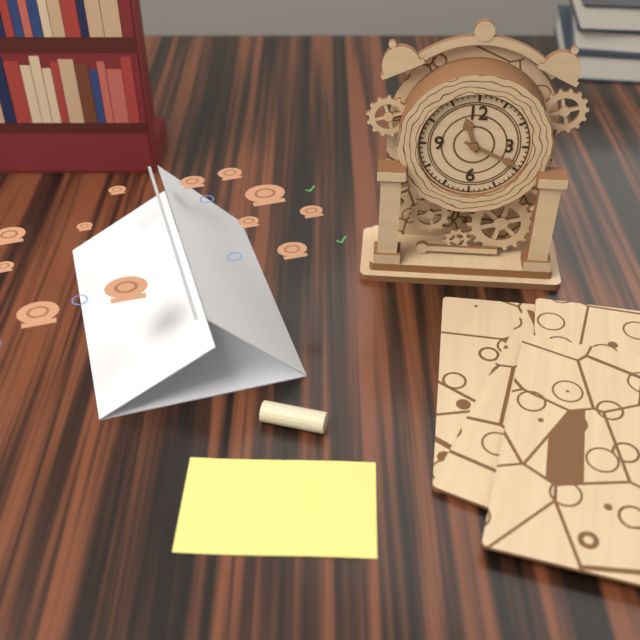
11:19
